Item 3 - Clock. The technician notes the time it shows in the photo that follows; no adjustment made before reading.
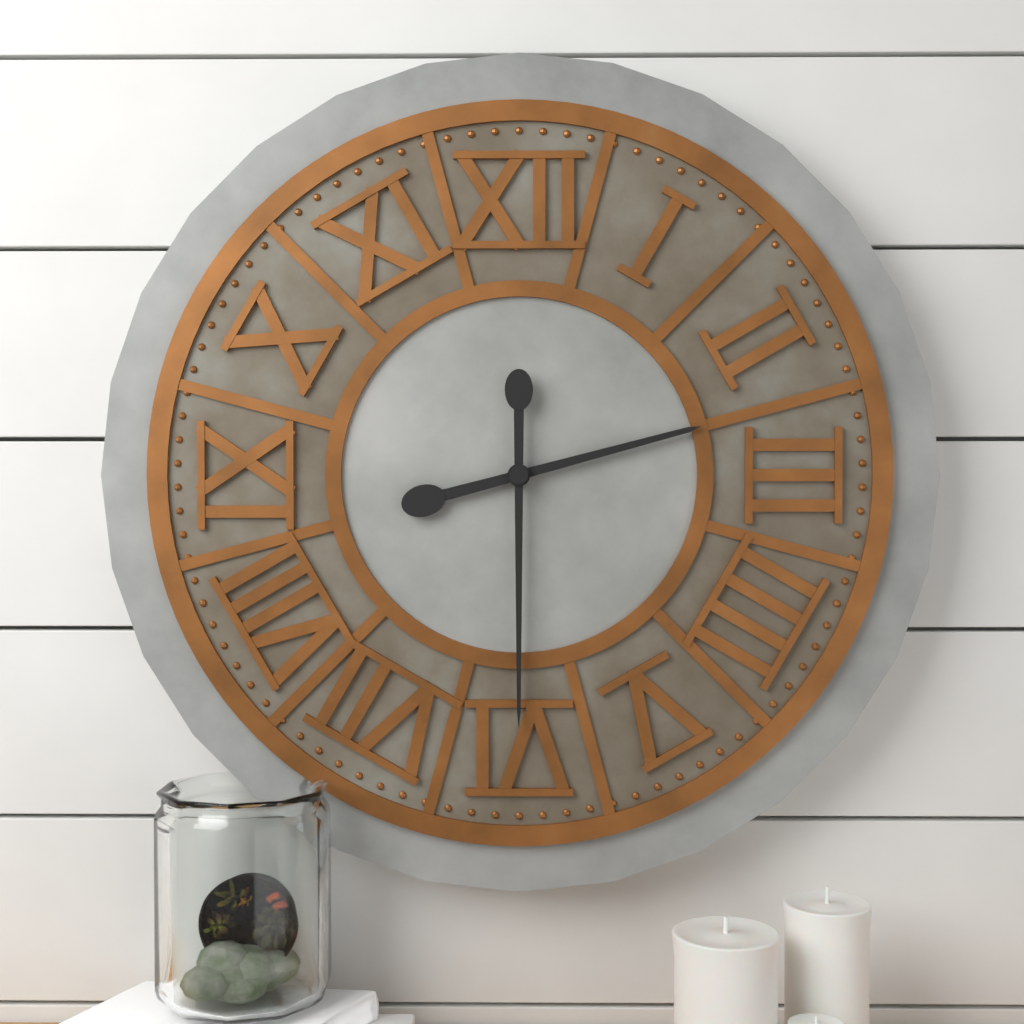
2:30
